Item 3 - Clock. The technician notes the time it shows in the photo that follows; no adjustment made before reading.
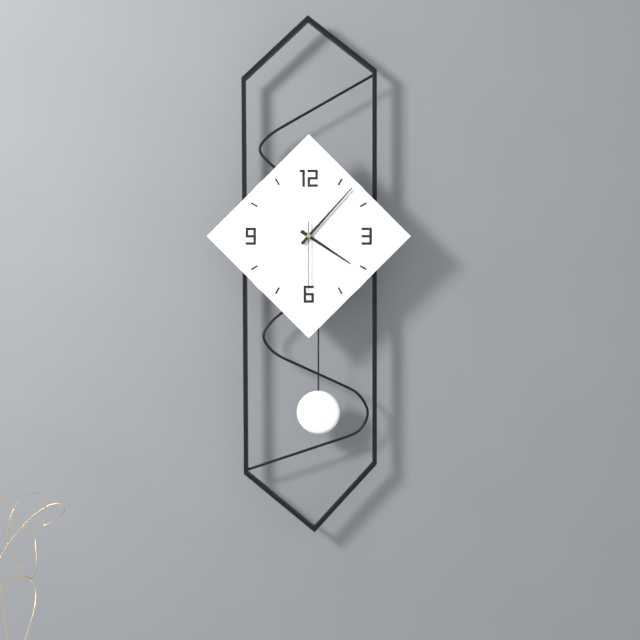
4:07:30
